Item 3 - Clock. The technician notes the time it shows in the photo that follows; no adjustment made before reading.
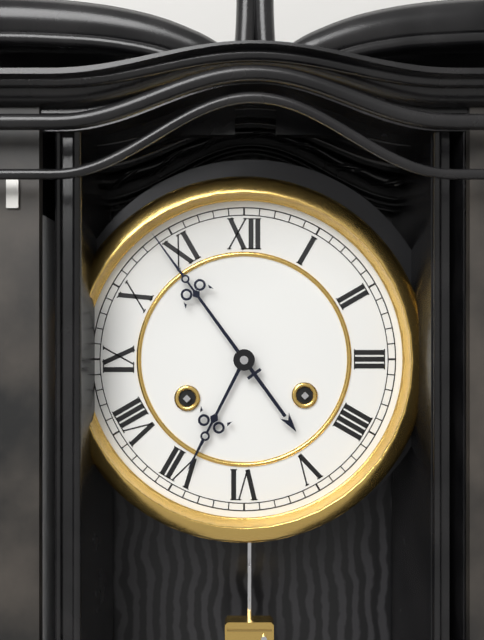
6:54
